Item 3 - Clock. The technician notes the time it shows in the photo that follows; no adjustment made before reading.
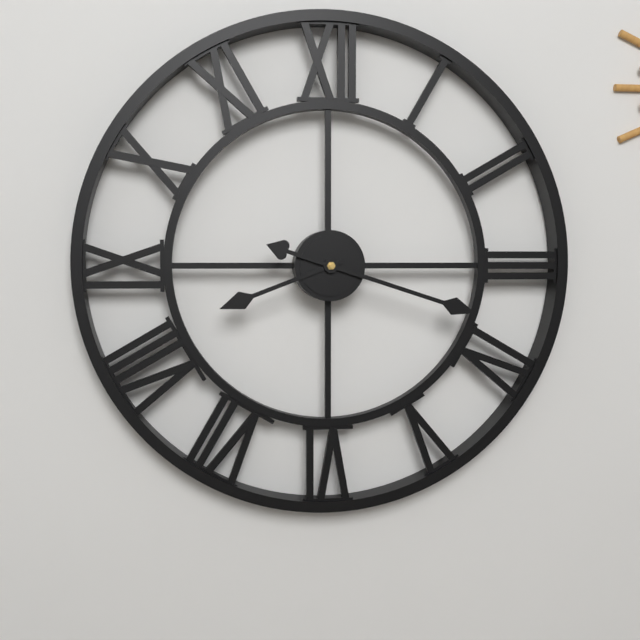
8:18
